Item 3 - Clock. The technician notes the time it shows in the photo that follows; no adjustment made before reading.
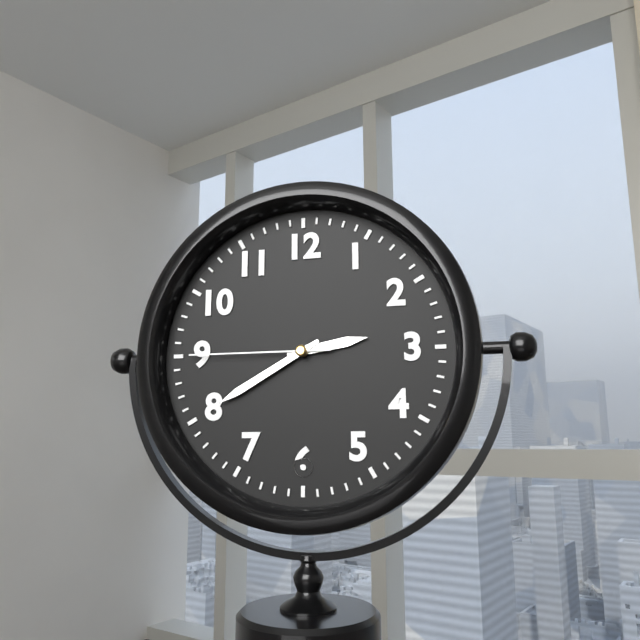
2:40:45
